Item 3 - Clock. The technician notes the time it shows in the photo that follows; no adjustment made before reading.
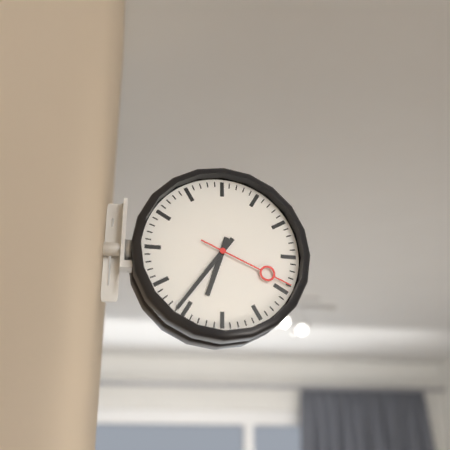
6:36:19
